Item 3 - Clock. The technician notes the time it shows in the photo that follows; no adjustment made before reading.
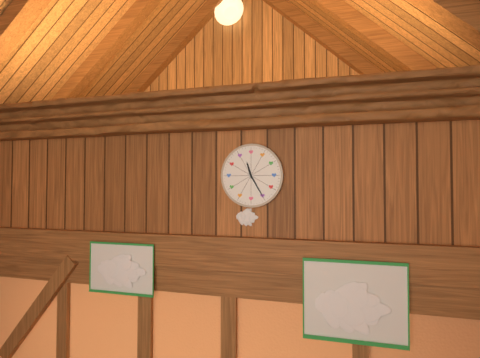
11:25
